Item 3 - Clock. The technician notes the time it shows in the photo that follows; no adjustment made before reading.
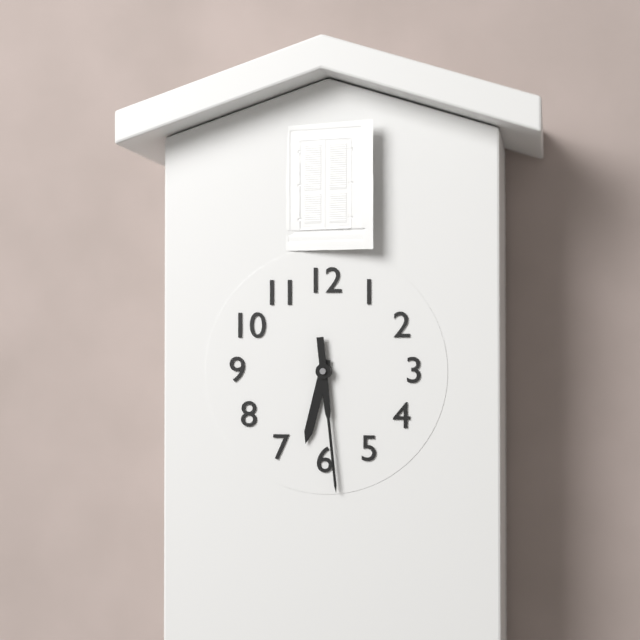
6:29
